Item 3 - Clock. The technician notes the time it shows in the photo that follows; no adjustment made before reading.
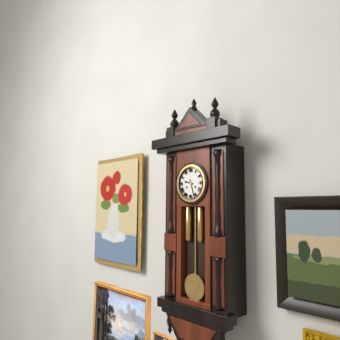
9:27
